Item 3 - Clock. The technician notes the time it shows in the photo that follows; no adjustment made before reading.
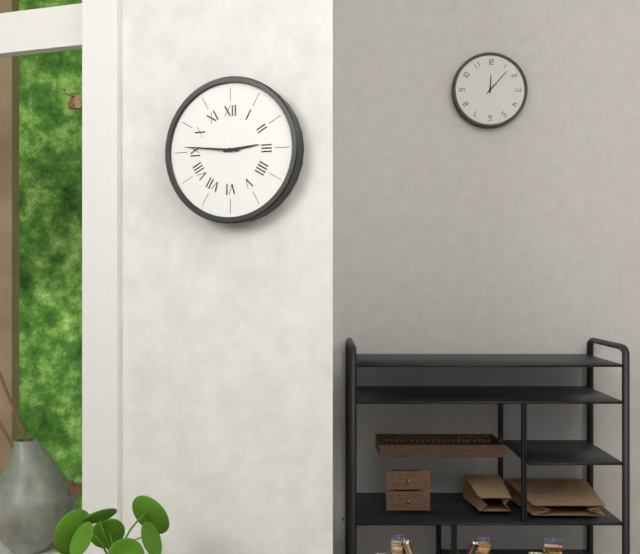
2:46
